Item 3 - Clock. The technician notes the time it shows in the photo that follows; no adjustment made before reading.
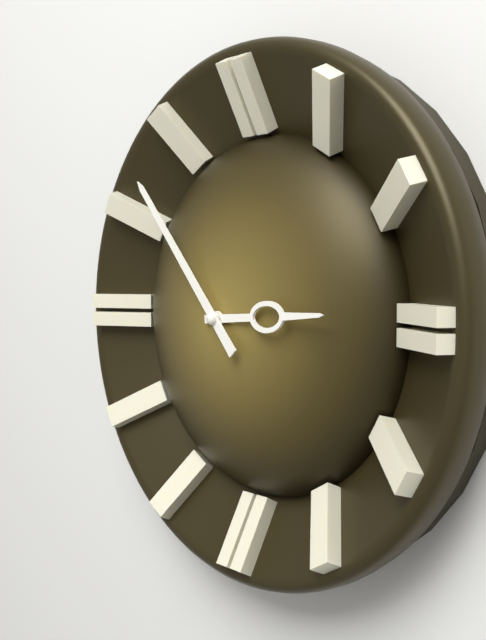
2:53
